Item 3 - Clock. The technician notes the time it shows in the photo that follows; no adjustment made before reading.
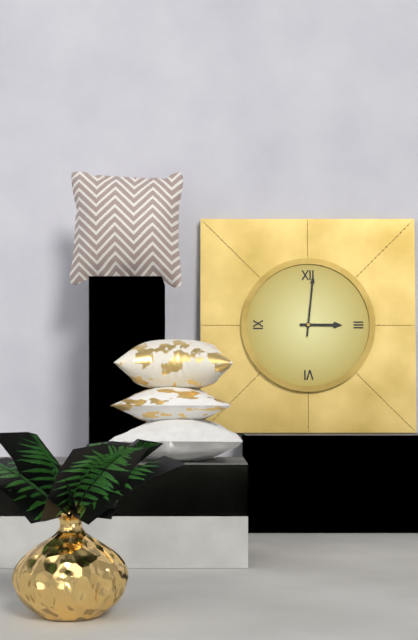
3:01
